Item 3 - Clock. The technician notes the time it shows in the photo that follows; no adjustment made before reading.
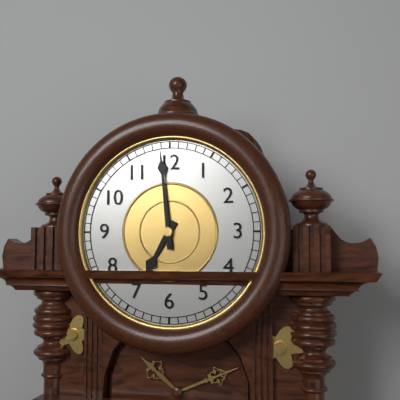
6:59
